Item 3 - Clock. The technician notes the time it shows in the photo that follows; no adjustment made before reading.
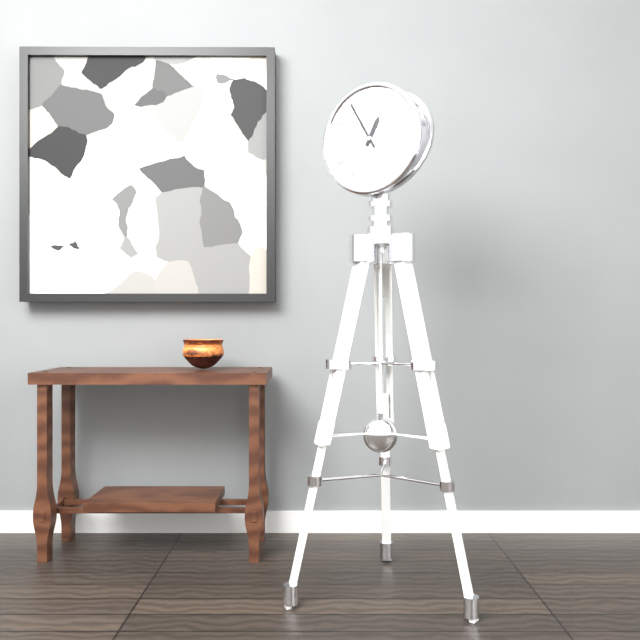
12:55
